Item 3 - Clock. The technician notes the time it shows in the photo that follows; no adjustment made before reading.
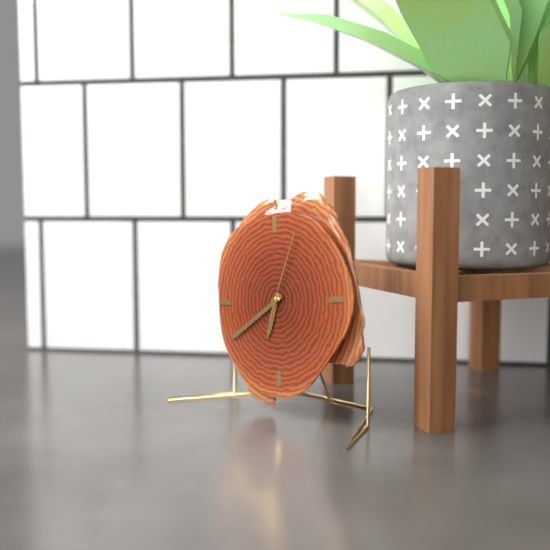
6:40:04
